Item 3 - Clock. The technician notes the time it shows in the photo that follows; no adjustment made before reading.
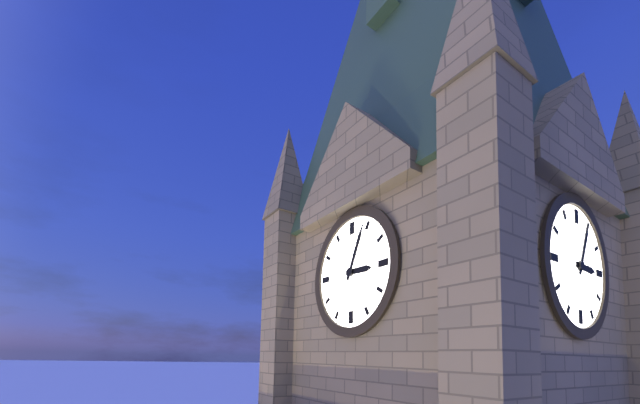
3:04
